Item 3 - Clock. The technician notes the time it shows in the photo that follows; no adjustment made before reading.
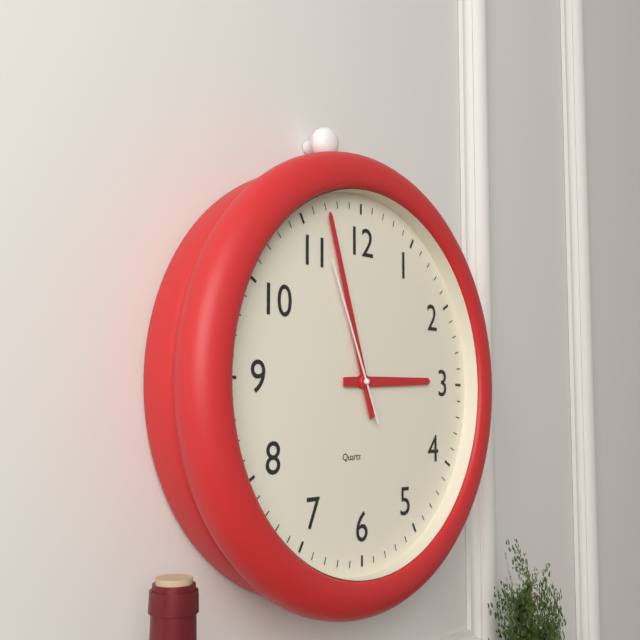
2:57:56
